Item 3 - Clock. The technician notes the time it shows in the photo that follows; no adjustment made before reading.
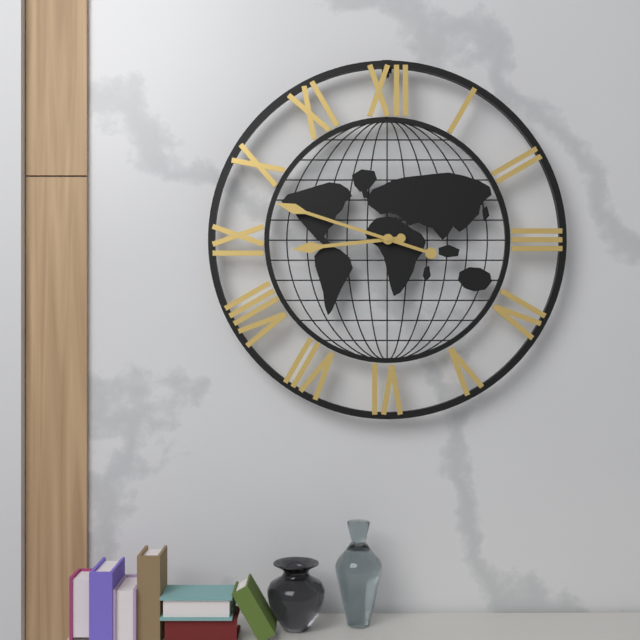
8:48
